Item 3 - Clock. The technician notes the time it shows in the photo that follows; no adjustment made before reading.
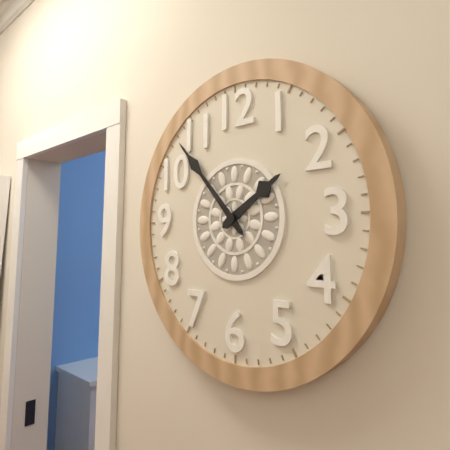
1:53
